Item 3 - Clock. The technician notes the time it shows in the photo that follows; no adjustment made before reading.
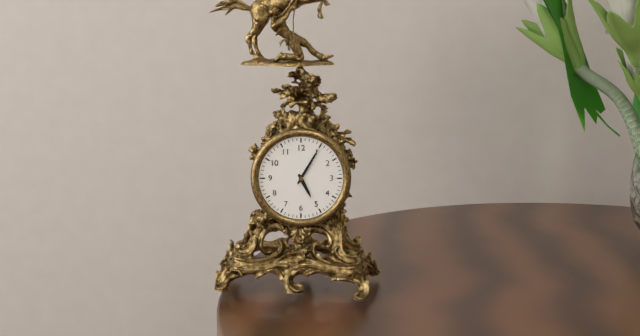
5:05
